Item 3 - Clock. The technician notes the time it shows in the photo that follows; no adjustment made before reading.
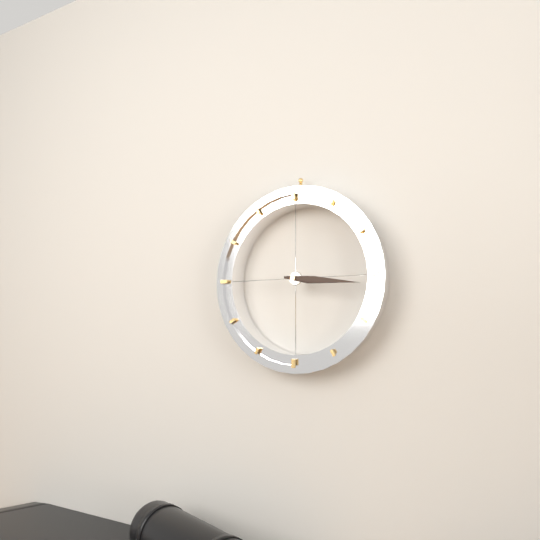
3:16
